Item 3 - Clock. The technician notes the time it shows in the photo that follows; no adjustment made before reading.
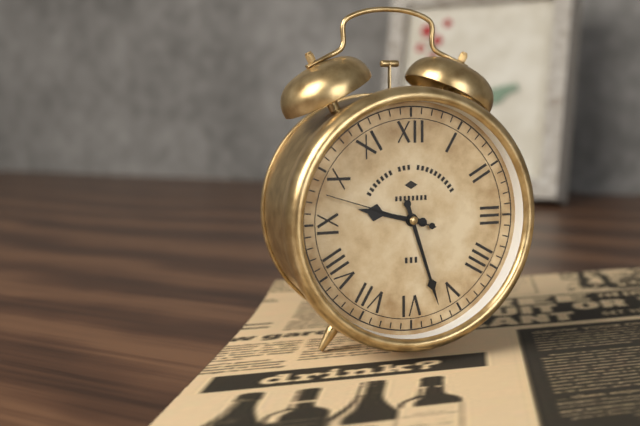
9:27:48
